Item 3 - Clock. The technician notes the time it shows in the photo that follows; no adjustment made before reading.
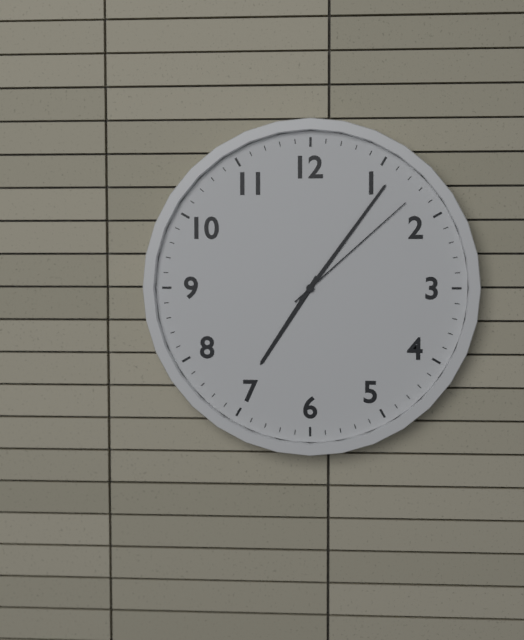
7:06:08
